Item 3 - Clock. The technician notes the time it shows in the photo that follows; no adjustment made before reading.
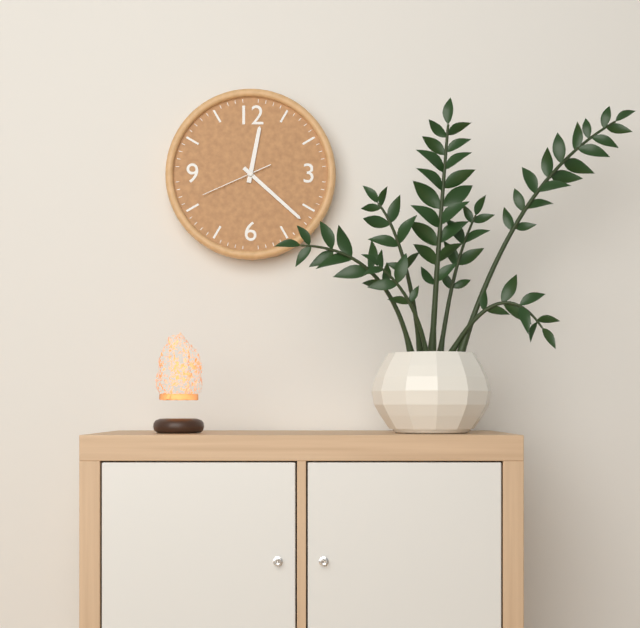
12:22:41
